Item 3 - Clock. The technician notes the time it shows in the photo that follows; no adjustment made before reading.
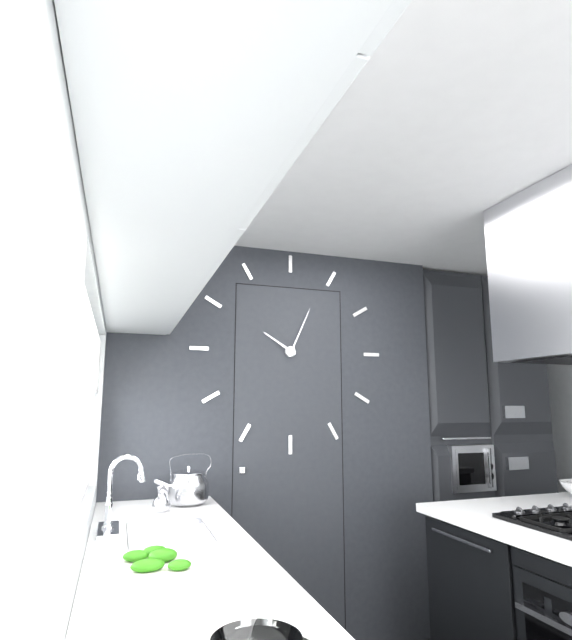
10:04
